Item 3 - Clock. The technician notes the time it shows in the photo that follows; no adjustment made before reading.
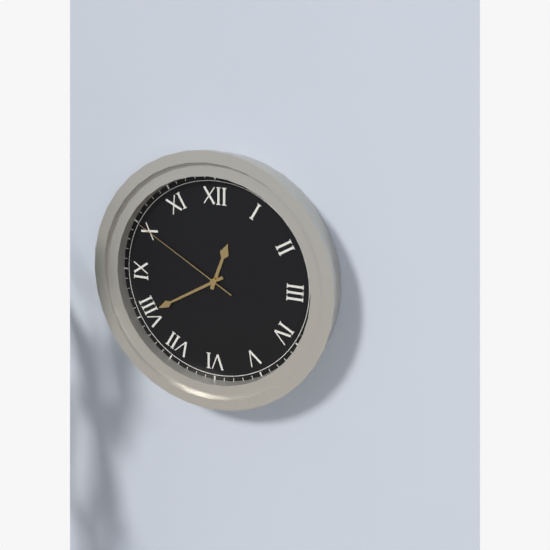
12:40:50
